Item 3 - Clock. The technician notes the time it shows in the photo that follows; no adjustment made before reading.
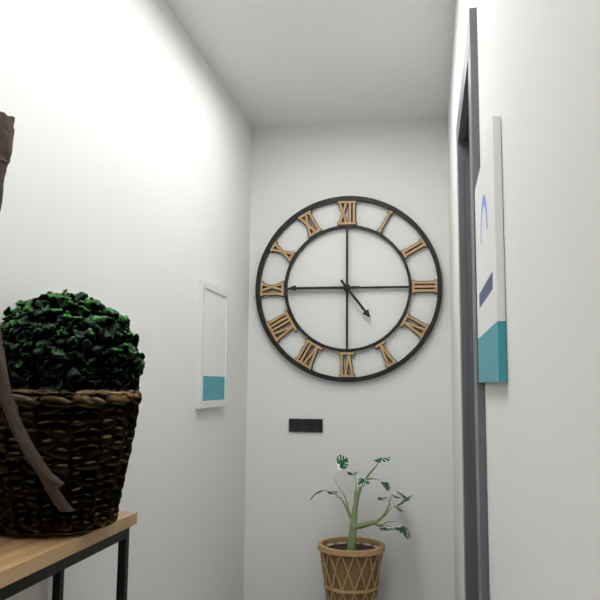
4:45
